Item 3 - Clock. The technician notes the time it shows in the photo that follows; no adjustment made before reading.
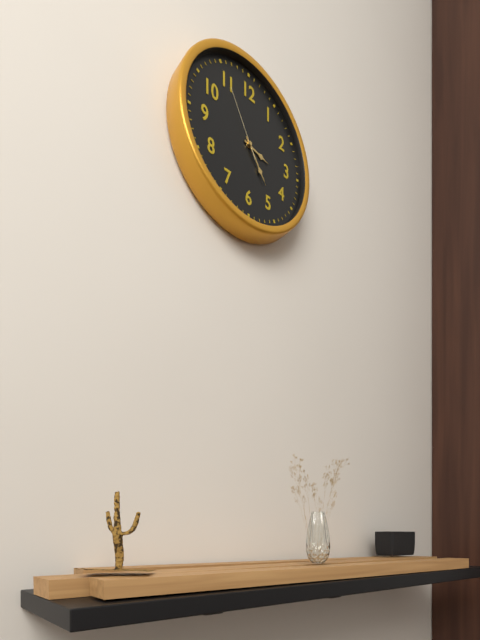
3:24:55
